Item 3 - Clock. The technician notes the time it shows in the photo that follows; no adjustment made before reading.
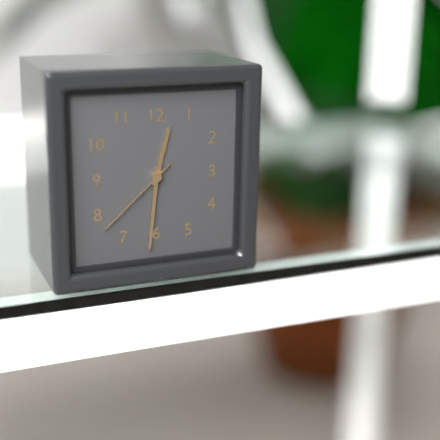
12:31:38
